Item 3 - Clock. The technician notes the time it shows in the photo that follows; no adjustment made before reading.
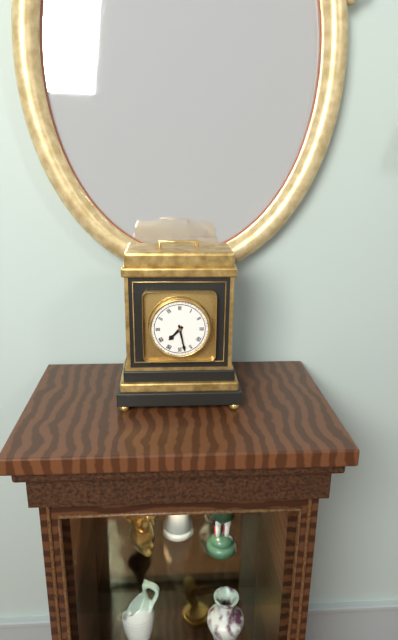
7:28
